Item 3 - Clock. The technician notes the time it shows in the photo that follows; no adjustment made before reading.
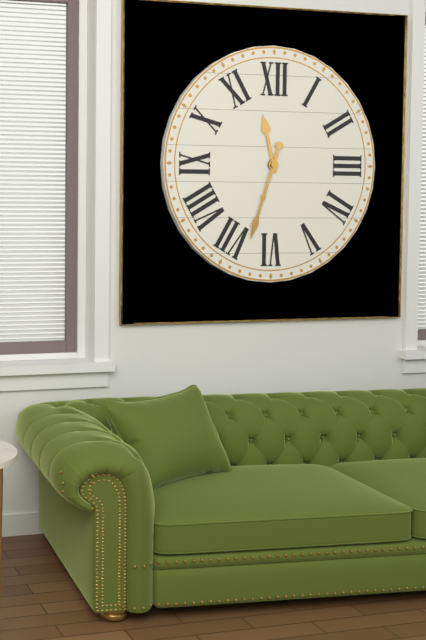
11:33
